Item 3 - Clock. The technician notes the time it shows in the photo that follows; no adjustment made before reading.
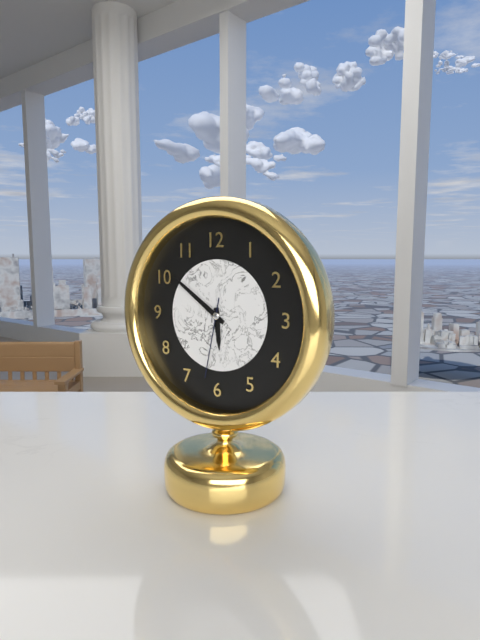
5:51:32
